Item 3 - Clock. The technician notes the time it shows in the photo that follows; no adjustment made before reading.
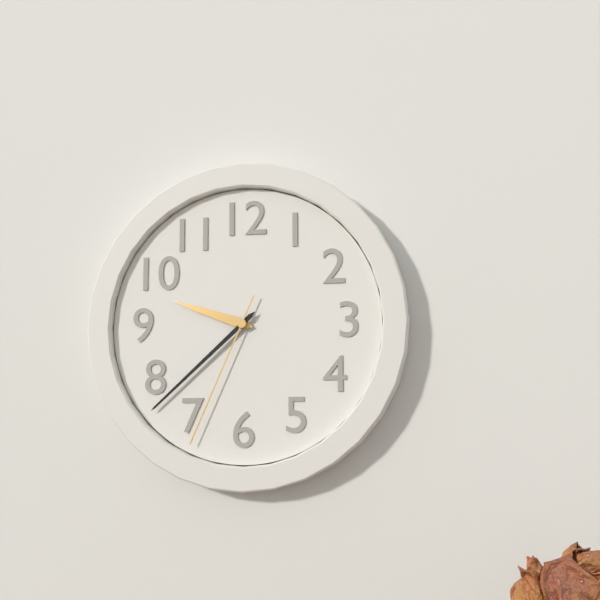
9:38:34
